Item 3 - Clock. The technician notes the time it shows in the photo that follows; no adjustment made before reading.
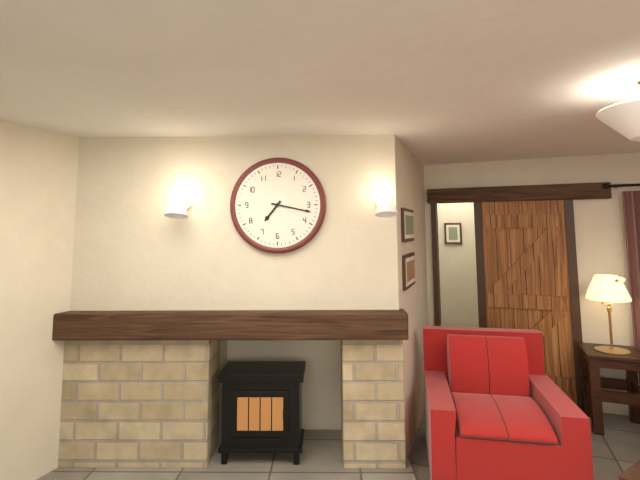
7:17
